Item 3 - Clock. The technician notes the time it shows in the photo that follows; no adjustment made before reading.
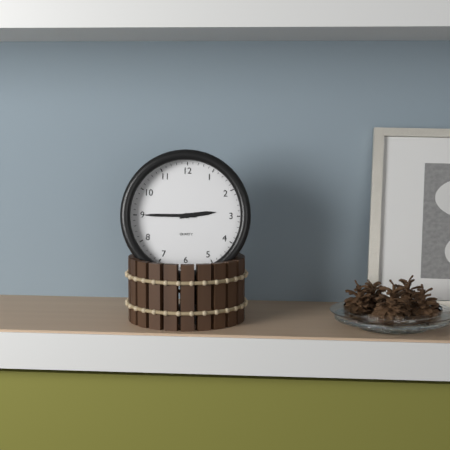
2:45
